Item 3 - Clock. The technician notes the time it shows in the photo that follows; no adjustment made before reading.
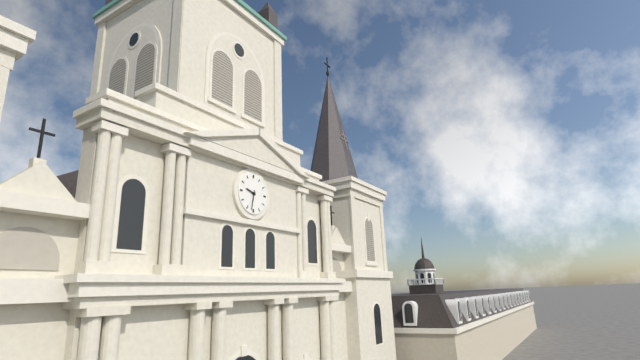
9:32
